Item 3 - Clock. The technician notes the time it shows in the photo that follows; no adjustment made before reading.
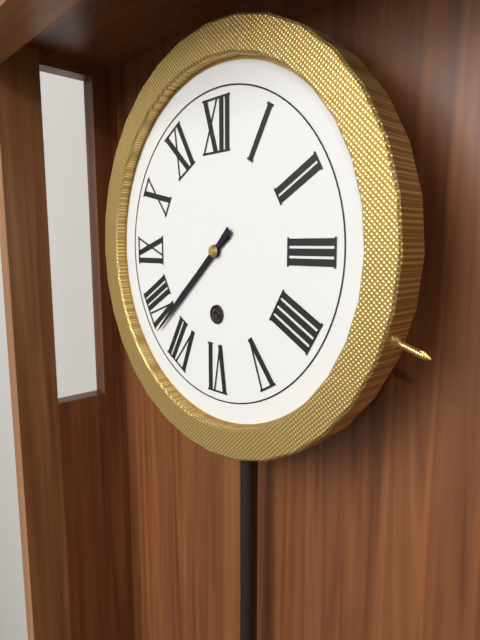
7:38
